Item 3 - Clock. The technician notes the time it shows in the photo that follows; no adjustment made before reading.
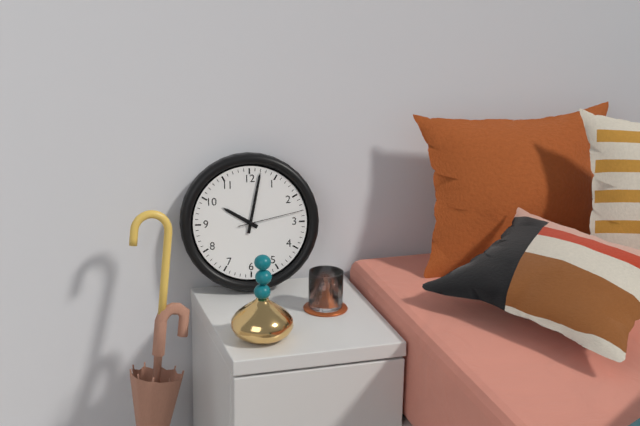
10:02:13
